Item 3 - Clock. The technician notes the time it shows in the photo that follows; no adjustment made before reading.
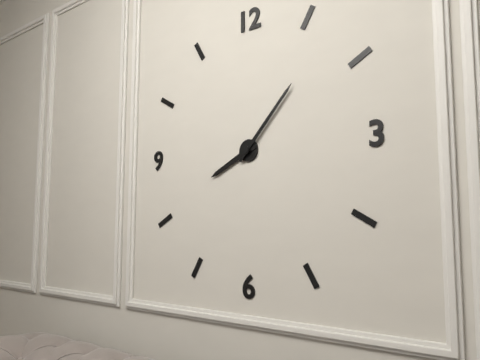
8:07
